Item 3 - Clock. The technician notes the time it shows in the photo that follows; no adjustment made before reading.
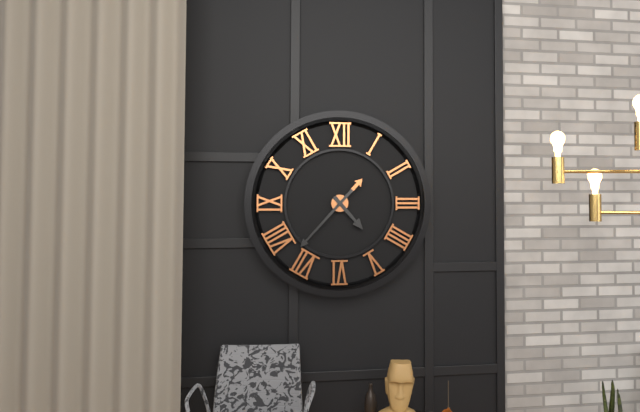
4:37
